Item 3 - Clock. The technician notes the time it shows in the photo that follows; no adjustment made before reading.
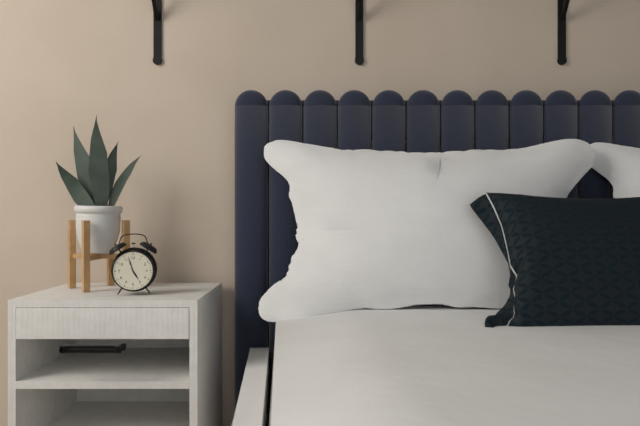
4:57
